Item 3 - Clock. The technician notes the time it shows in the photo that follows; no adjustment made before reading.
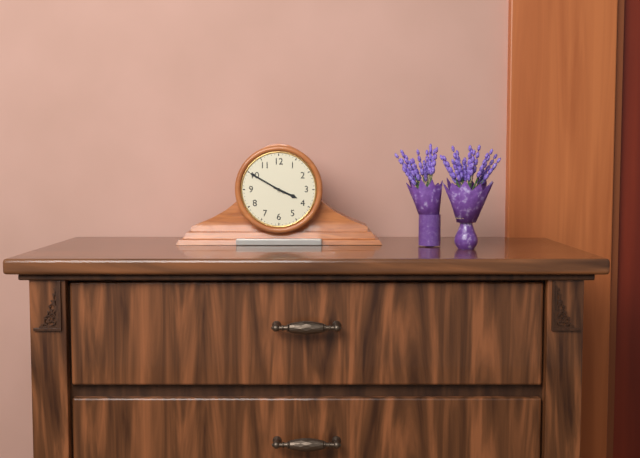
3:50
